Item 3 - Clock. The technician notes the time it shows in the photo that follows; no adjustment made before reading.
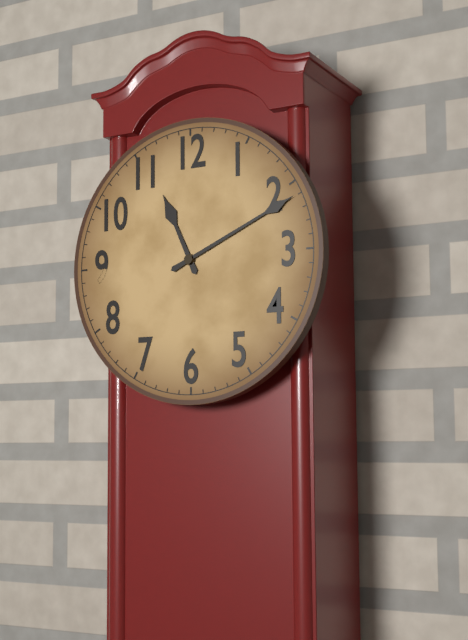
11:11
